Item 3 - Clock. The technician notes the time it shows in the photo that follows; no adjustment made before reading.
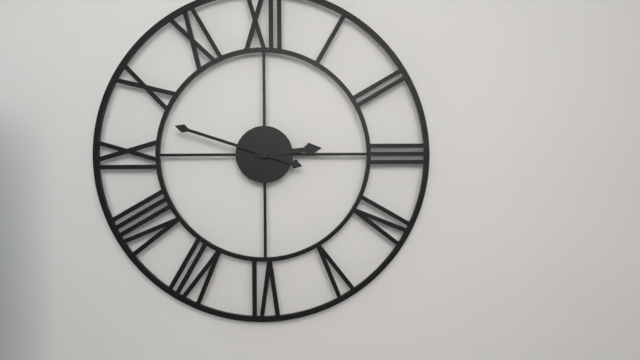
2:48
